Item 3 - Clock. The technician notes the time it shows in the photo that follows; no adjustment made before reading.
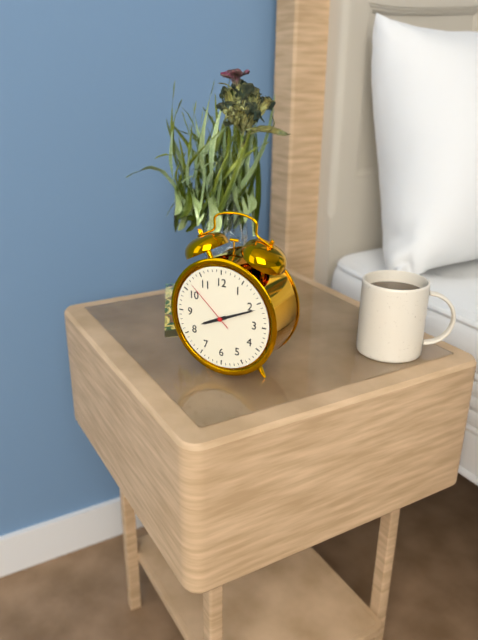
8:11:52
